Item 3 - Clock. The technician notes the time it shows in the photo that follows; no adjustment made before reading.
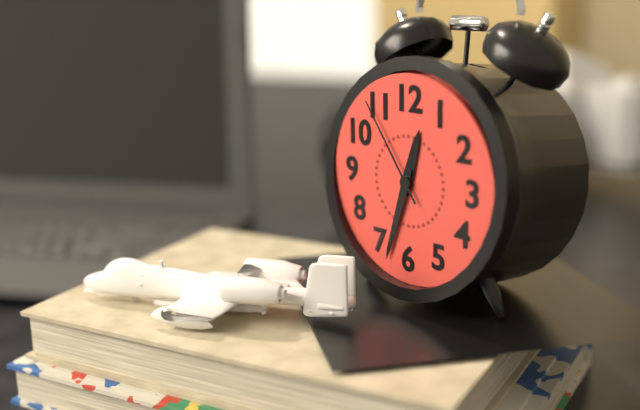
12:33:54
